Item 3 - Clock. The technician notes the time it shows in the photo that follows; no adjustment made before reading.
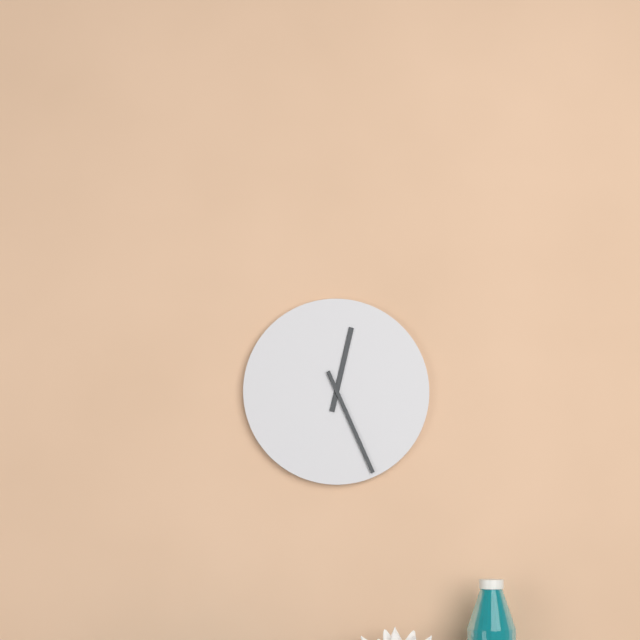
12:26
